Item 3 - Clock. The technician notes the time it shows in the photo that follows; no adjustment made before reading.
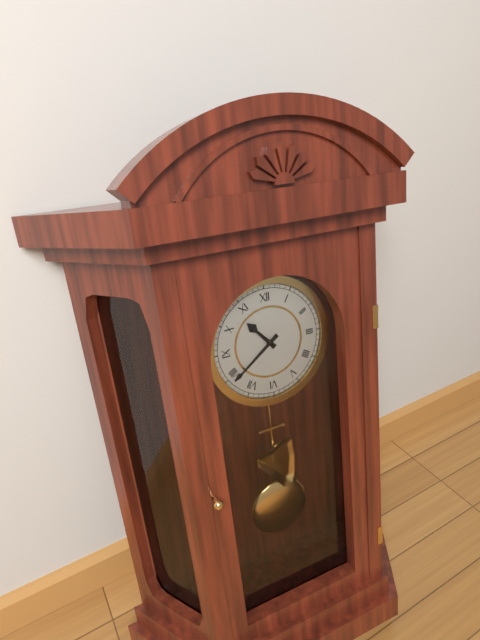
10:39
